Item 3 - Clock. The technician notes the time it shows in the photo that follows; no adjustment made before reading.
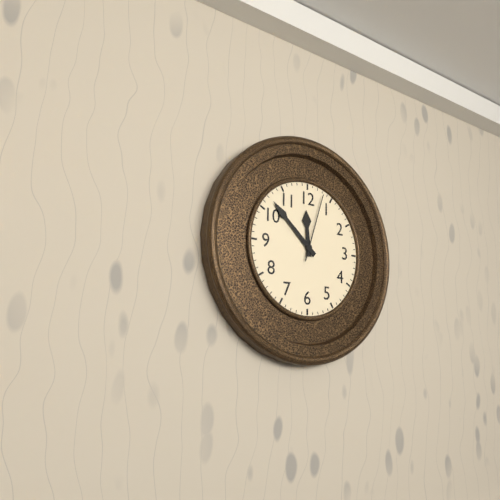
11:52:03
